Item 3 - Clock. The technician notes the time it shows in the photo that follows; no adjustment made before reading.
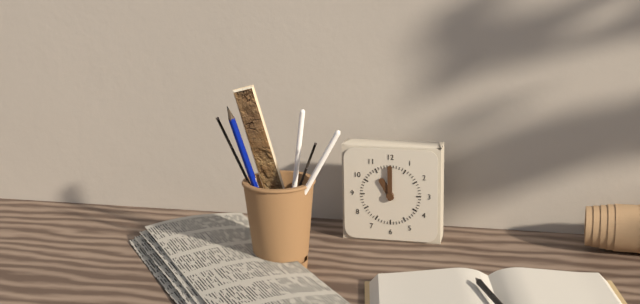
11:00
